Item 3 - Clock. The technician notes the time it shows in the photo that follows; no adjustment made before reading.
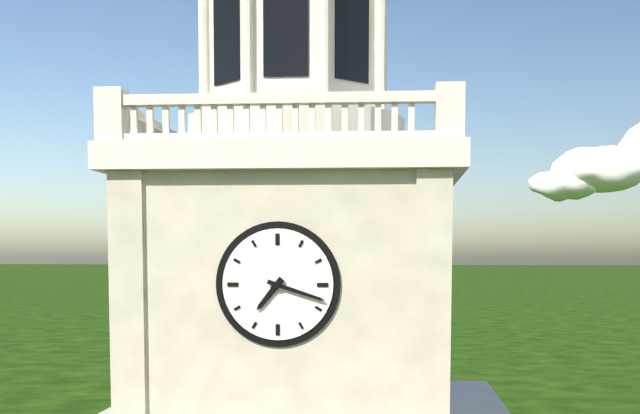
7:18
